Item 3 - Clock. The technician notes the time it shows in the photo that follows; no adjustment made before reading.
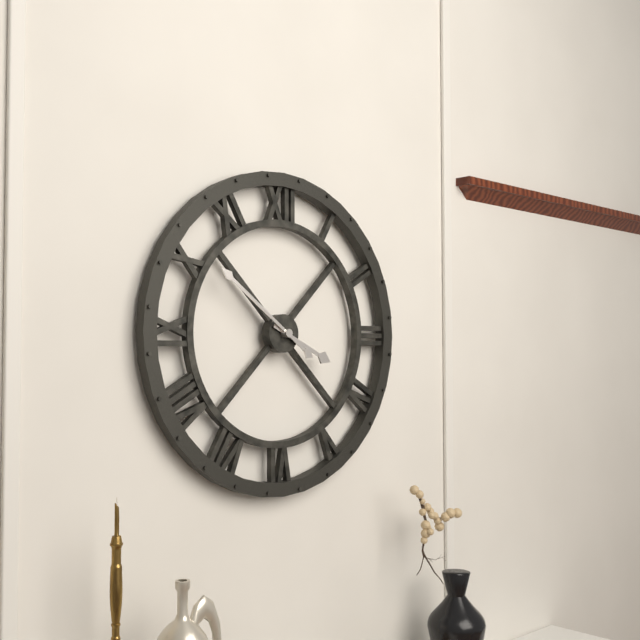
3:51
